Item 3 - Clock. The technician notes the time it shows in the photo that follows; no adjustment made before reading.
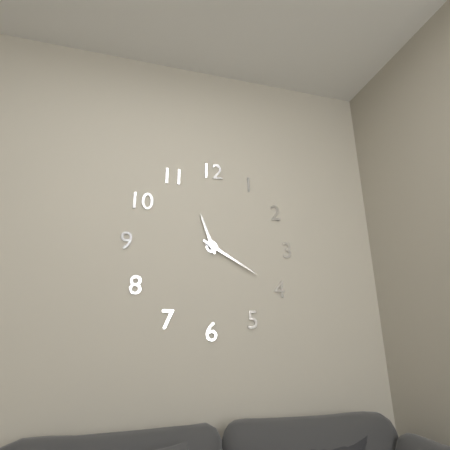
11:20
